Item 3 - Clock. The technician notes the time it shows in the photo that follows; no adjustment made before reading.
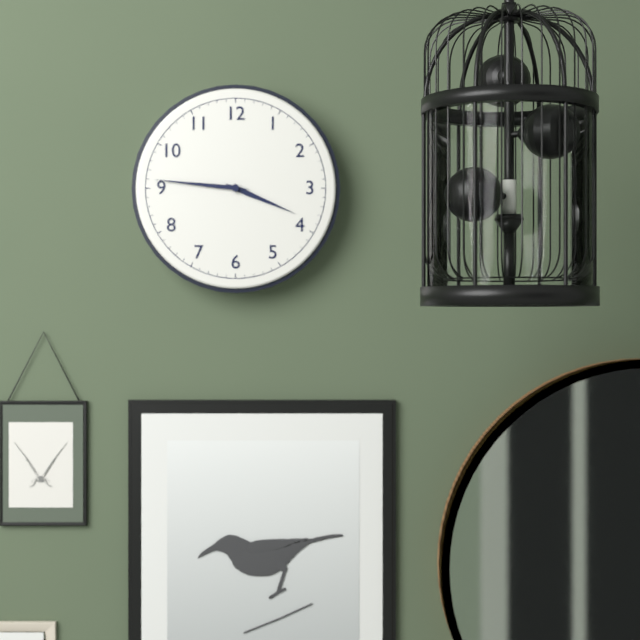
3:46
